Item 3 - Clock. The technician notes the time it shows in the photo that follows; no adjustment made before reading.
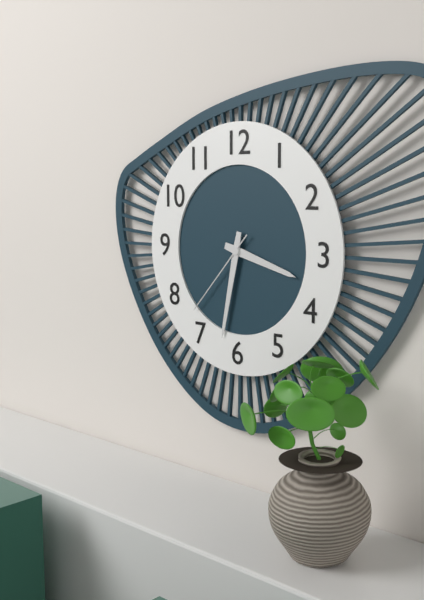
3:32:37
